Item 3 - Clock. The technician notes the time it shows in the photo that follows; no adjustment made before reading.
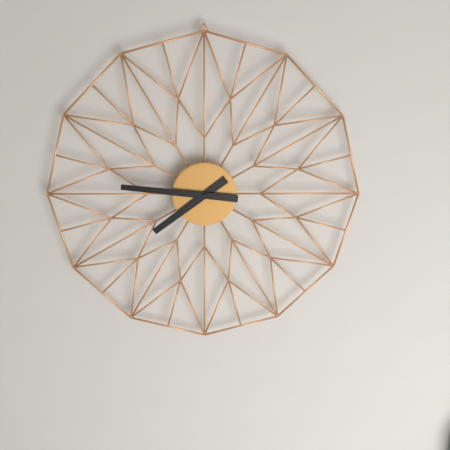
7:46
